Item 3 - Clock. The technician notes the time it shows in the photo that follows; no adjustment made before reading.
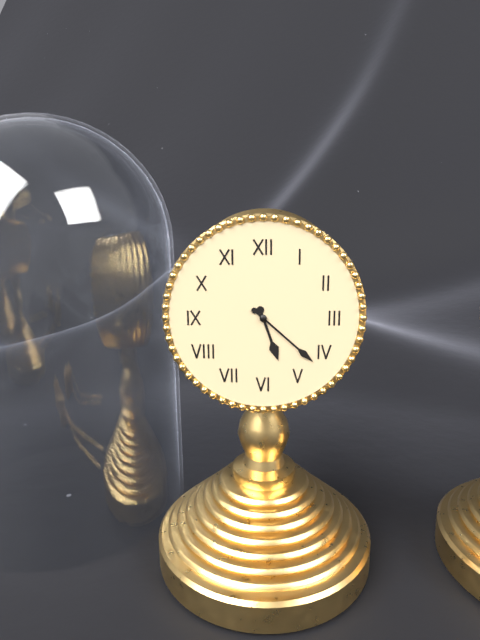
5:22
